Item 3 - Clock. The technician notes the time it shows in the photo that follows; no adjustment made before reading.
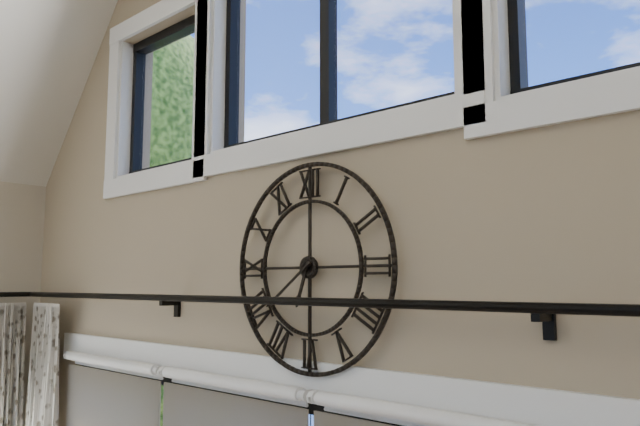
6:39
